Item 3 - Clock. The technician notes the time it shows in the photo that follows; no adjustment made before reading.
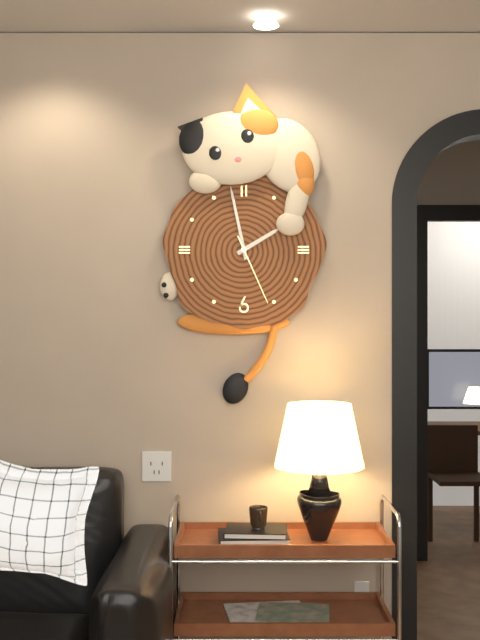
1:58:26
